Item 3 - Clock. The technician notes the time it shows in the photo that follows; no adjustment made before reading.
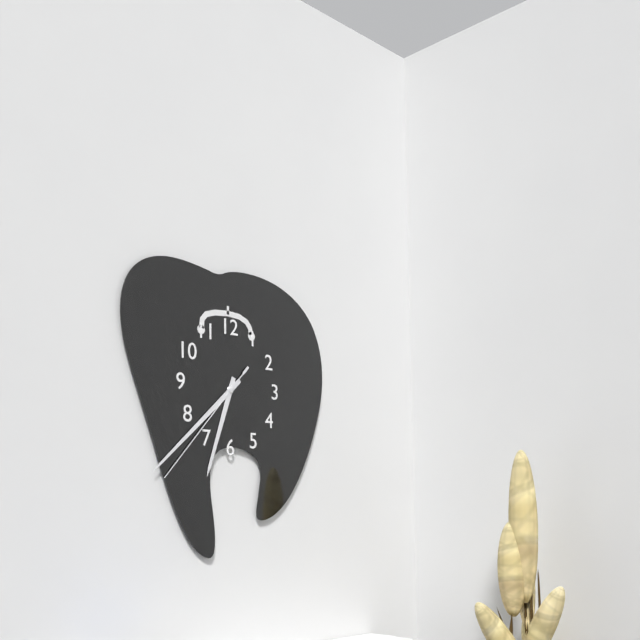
6:38:37
